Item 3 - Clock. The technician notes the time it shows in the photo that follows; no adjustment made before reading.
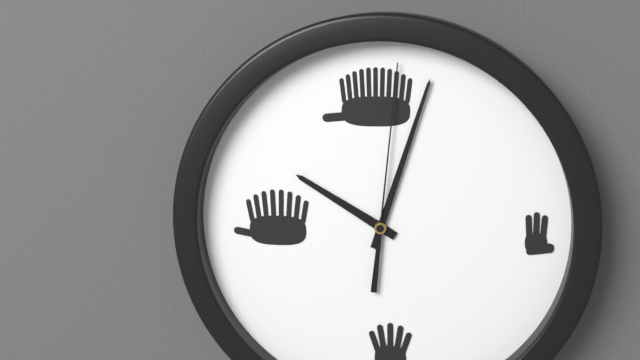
10:03:01
